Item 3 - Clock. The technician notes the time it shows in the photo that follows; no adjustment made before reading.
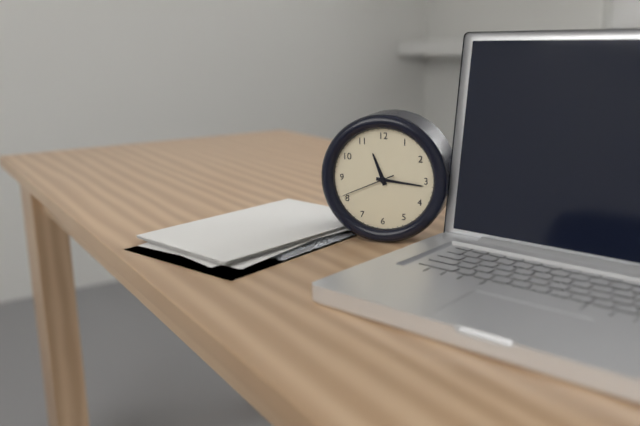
11:16:41
